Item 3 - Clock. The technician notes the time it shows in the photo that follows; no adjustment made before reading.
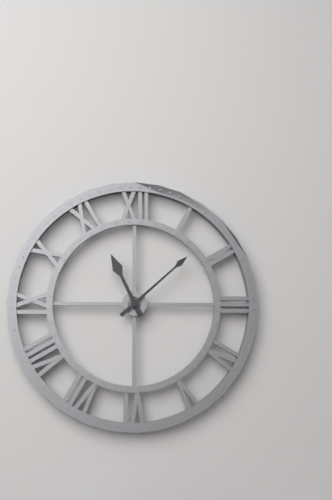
11:08
